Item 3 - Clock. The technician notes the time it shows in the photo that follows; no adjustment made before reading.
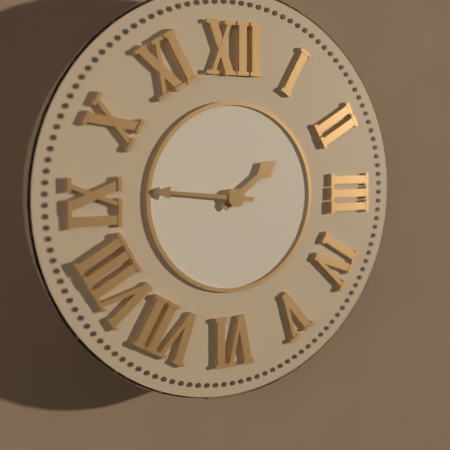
1:46
